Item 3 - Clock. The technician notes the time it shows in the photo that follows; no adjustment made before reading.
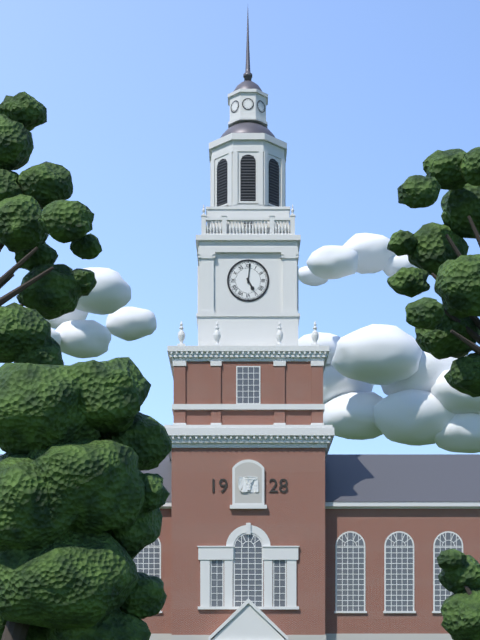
5:01
